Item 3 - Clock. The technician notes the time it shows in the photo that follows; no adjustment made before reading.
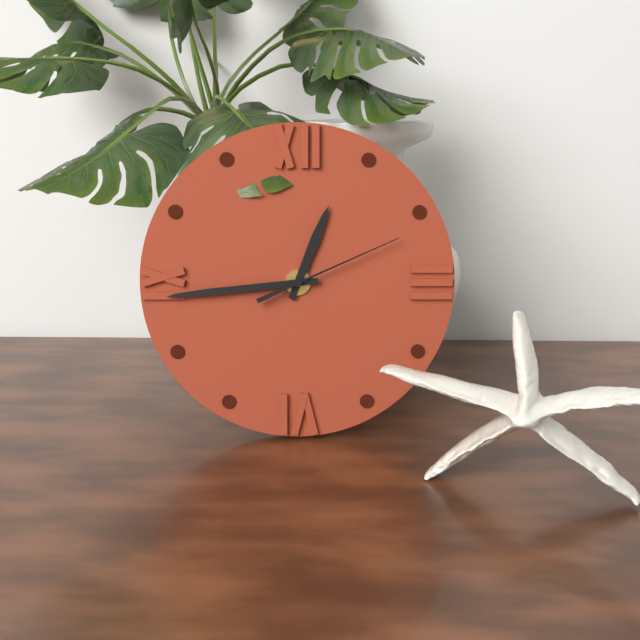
12:44:11
